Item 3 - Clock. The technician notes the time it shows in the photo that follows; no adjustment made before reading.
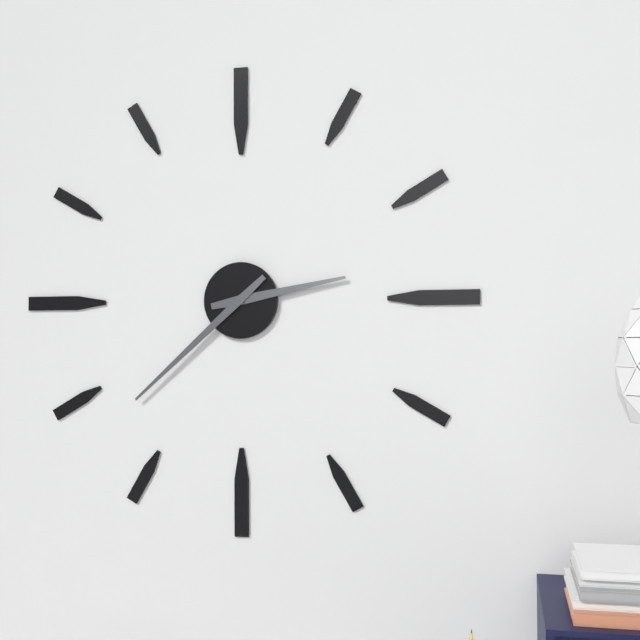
2:38
